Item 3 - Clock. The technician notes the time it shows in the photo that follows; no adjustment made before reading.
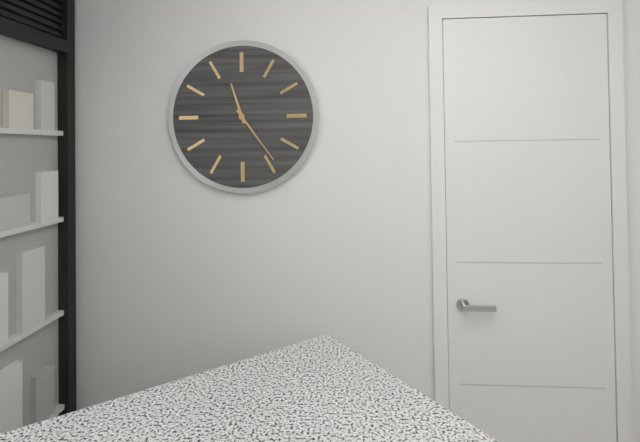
11:24
